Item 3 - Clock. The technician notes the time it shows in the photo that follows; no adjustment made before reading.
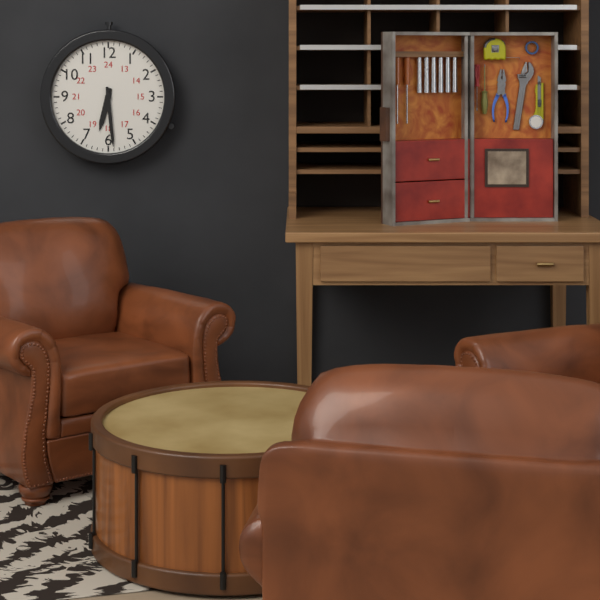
6:29
